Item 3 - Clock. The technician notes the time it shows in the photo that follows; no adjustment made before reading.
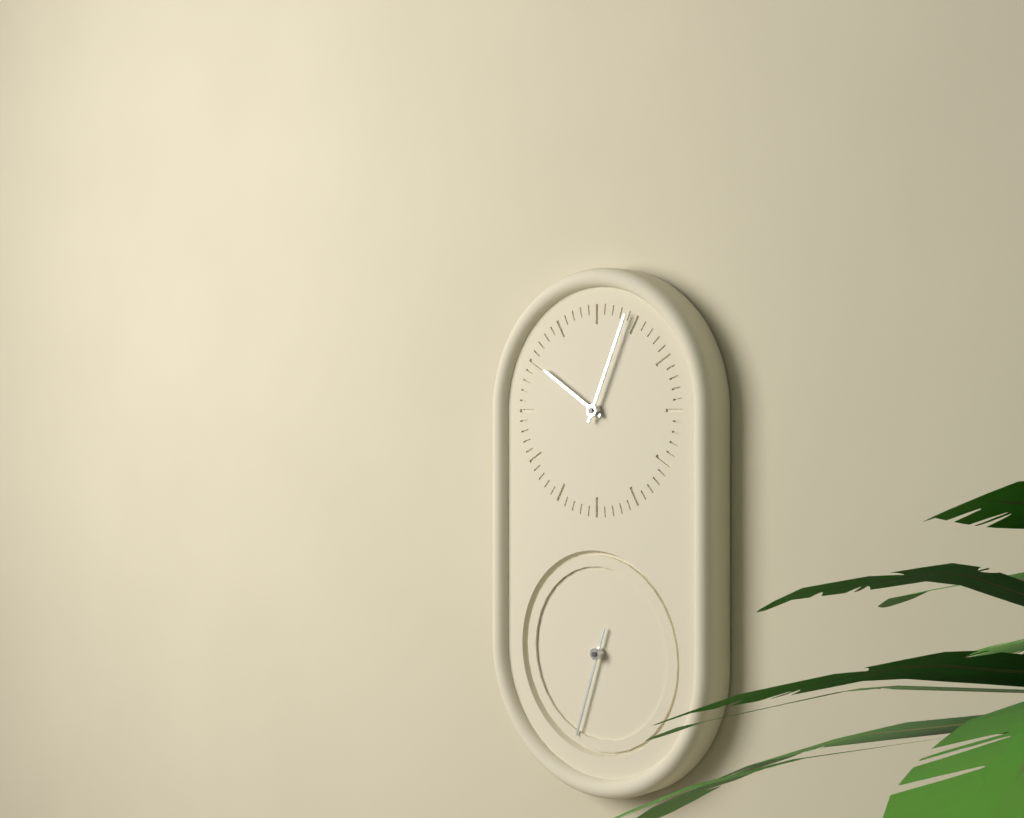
10:04:33
